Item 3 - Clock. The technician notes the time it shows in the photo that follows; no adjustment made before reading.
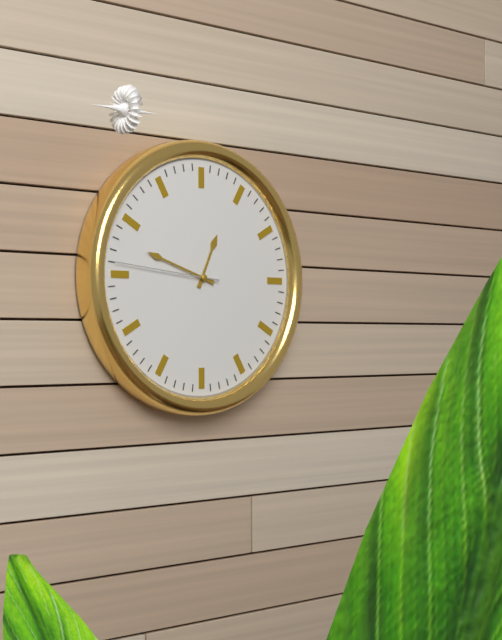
12:48:46
